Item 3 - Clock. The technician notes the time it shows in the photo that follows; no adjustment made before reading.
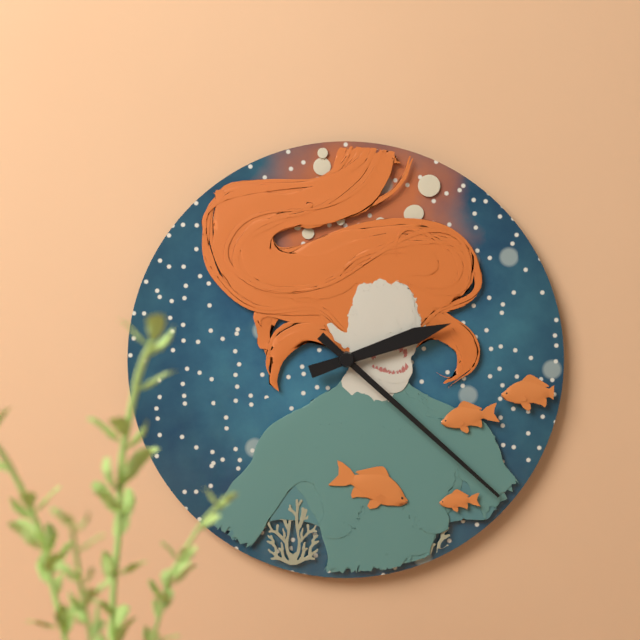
2:22
